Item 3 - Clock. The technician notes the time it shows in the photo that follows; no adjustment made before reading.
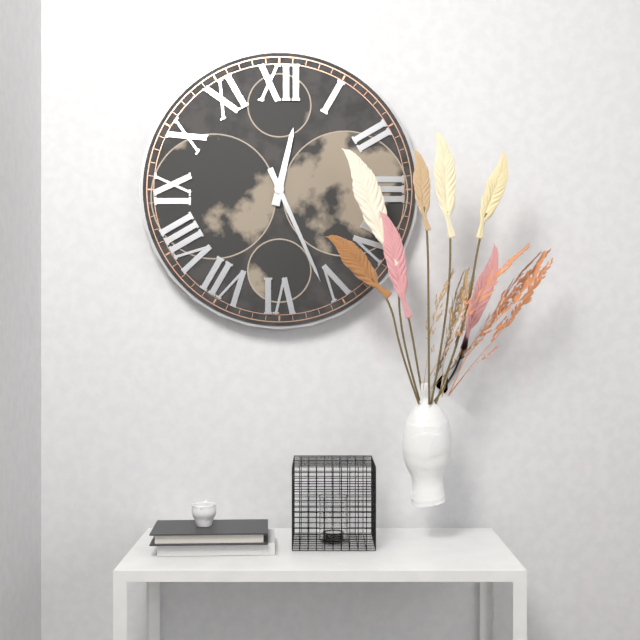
12:26
